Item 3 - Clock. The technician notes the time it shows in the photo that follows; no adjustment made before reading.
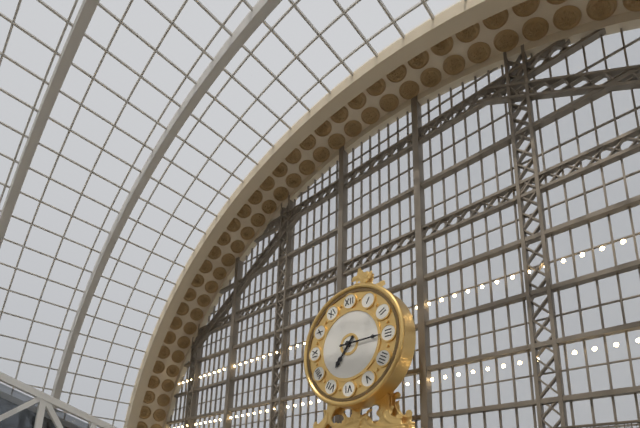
7:15
